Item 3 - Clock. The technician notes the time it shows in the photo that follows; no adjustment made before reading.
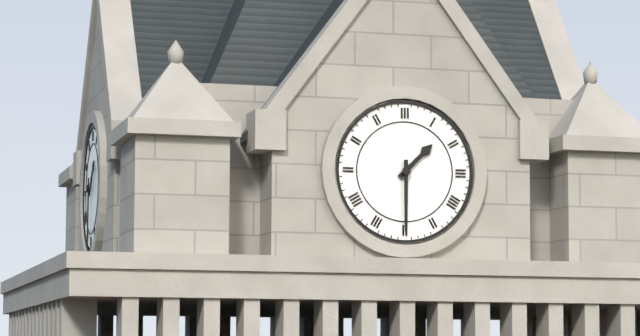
1:30
